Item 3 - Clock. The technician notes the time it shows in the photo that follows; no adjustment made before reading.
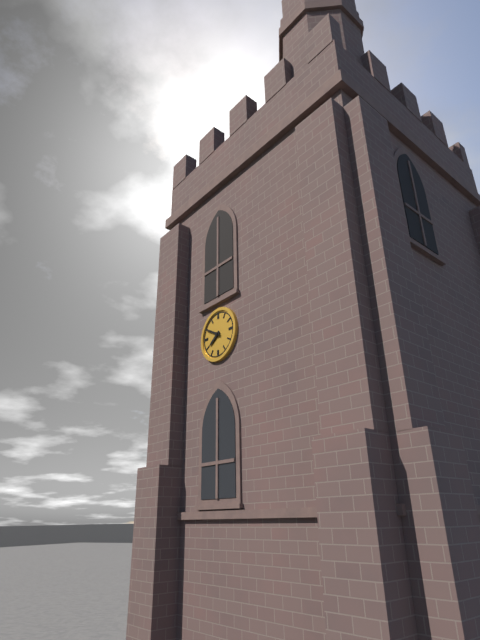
7:50
